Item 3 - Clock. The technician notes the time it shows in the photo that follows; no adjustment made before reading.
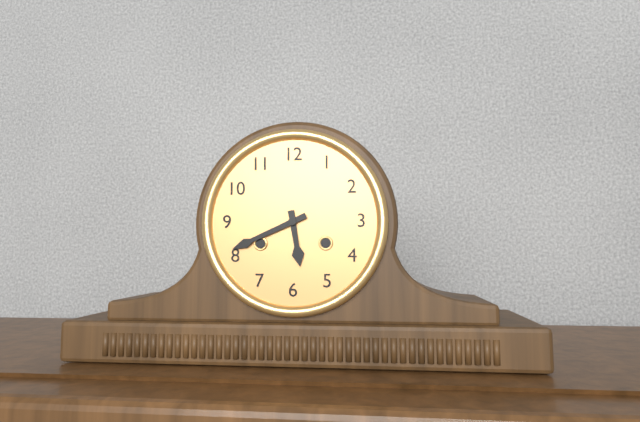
5:41
